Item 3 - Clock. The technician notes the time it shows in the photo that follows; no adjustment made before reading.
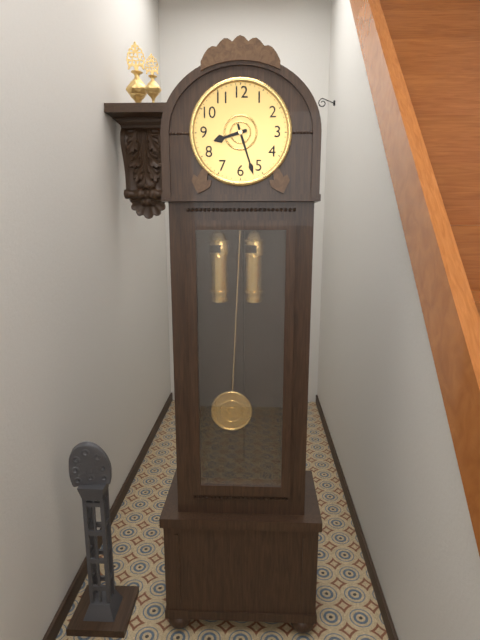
8:27
